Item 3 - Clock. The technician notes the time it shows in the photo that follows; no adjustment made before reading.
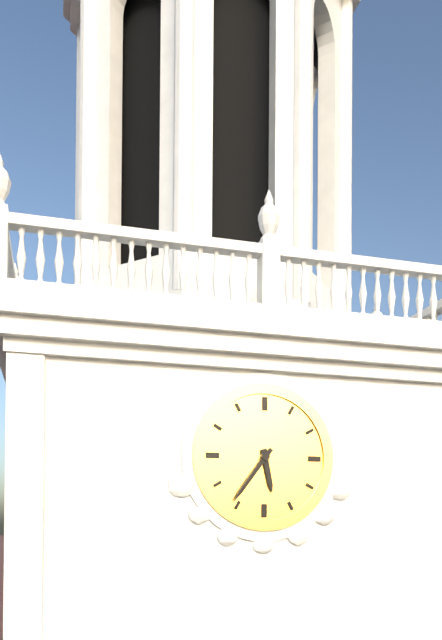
5:36
